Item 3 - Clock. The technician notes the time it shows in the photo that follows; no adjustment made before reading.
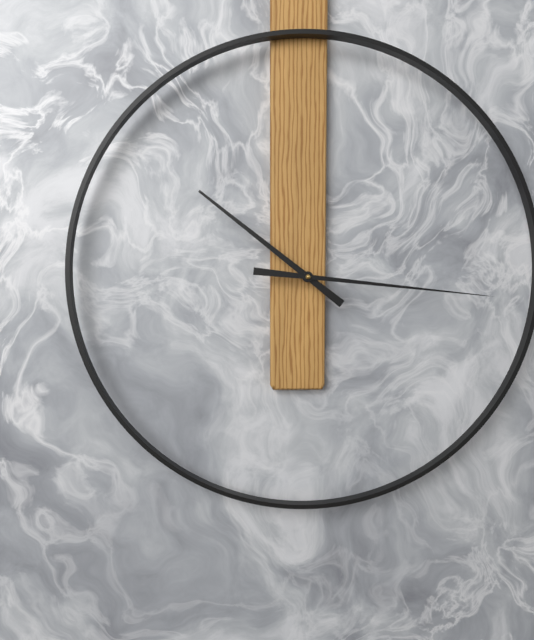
10:16
